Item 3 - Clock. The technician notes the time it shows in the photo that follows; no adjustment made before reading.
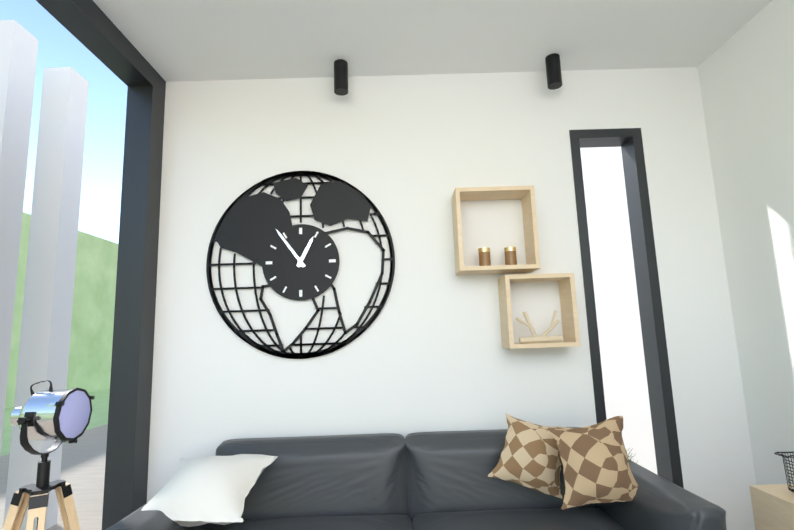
12:54
